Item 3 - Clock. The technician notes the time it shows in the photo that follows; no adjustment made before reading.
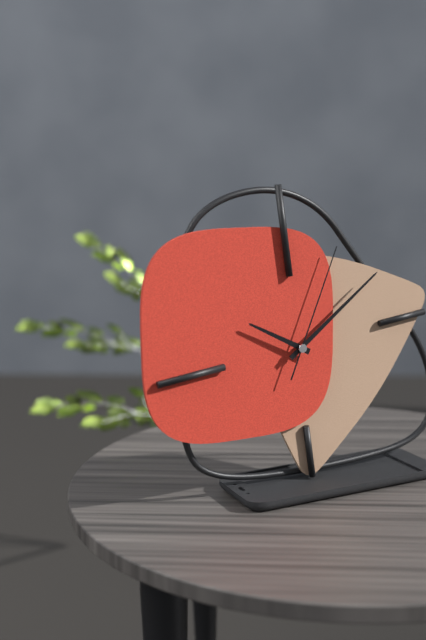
10:10:05
